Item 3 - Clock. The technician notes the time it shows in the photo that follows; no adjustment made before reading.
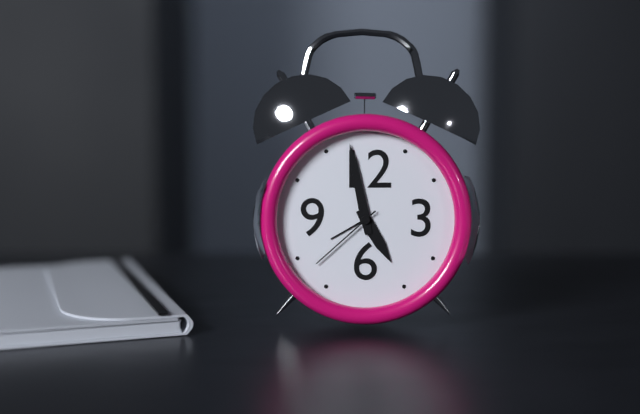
4:58:38
